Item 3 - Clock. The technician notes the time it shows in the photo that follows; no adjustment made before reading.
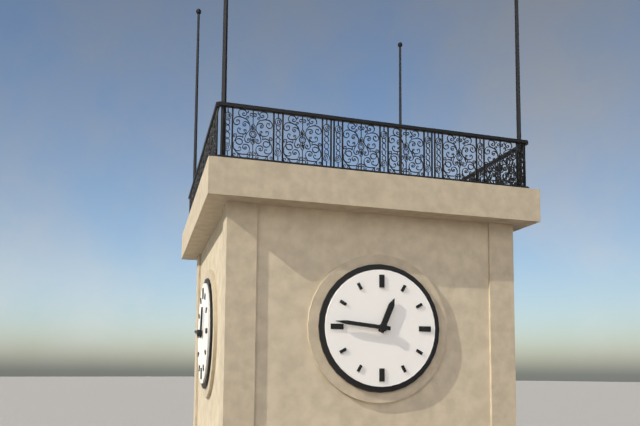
12:46
